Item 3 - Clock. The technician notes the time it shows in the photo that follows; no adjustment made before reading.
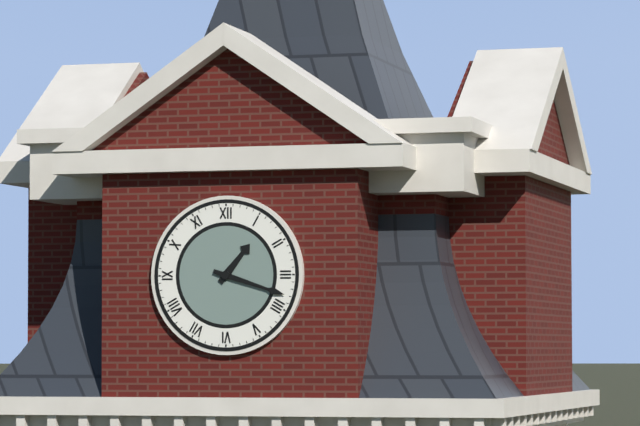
1:18
